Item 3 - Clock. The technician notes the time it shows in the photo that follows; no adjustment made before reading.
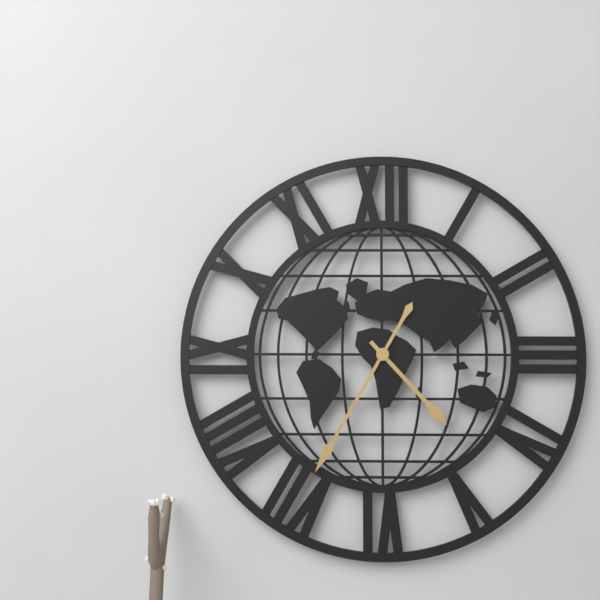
4:35
